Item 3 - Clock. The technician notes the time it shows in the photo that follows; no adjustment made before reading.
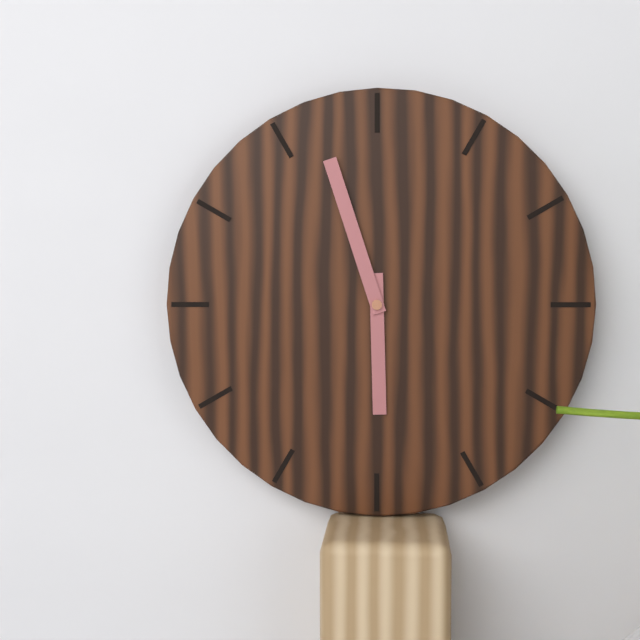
5:57
